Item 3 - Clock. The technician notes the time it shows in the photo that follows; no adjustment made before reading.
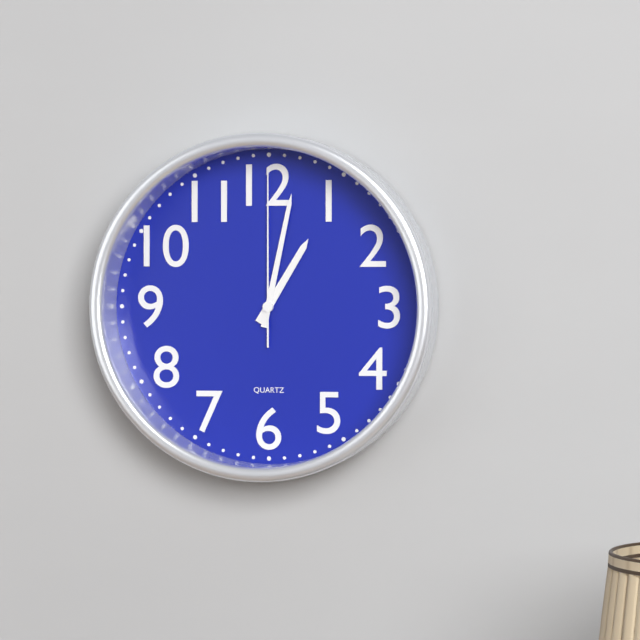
1:02:00
